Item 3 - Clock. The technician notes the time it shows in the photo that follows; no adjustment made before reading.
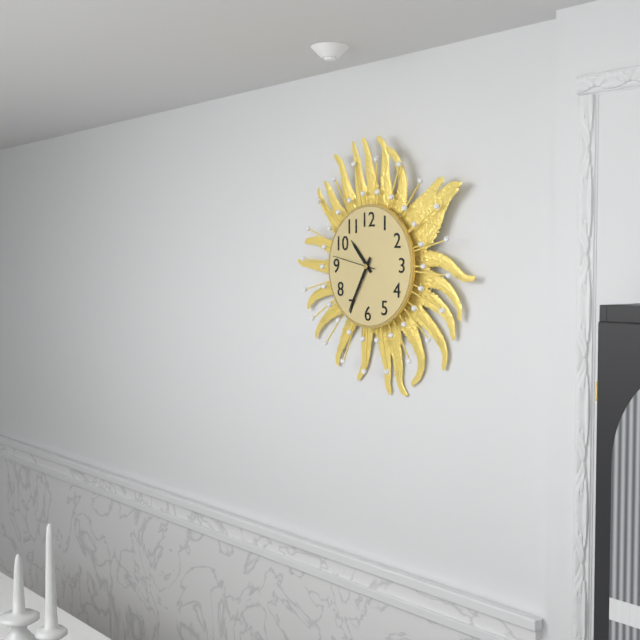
10:35
